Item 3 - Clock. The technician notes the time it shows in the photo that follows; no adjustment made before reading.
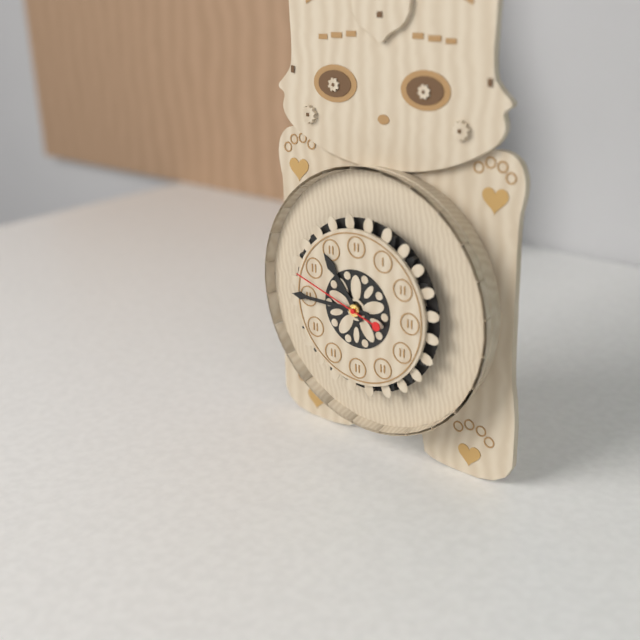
10:45:48
